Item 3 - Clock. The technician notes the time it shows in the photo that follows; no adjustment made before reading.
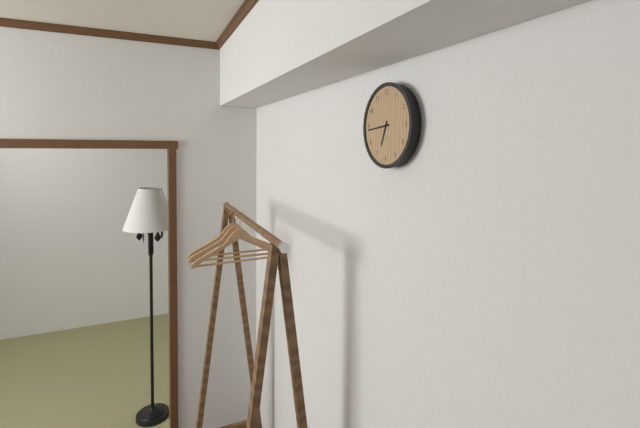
6:44
